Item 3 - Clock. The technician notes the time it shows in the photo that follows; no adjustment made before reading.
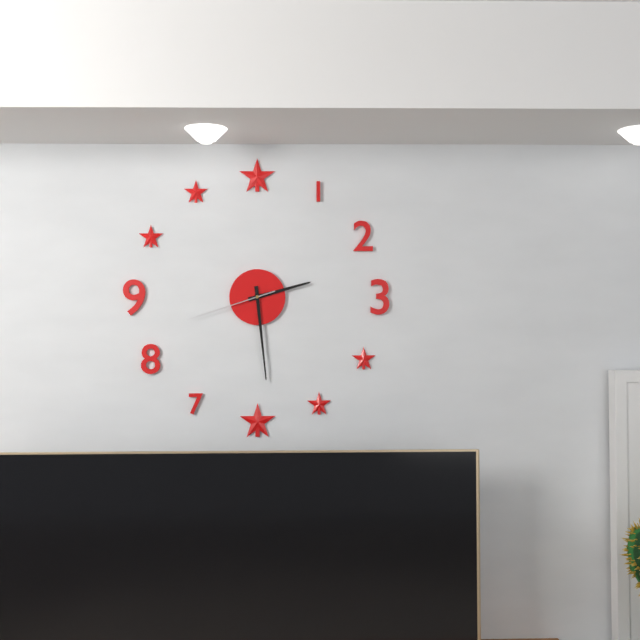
2:29:42
